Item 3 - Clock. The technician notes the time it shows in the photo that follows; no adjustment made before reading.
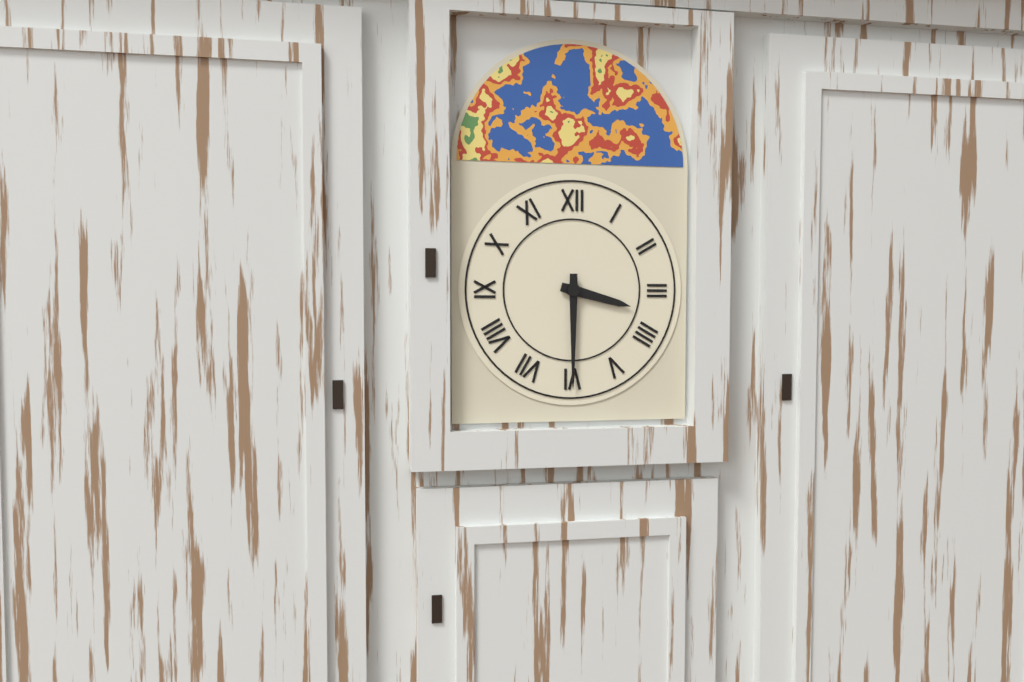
3:30
